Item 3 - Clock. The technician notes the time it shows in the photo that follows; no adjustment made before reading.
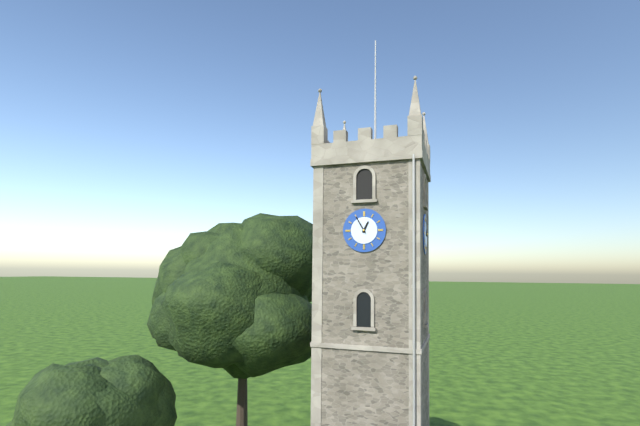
12:55
